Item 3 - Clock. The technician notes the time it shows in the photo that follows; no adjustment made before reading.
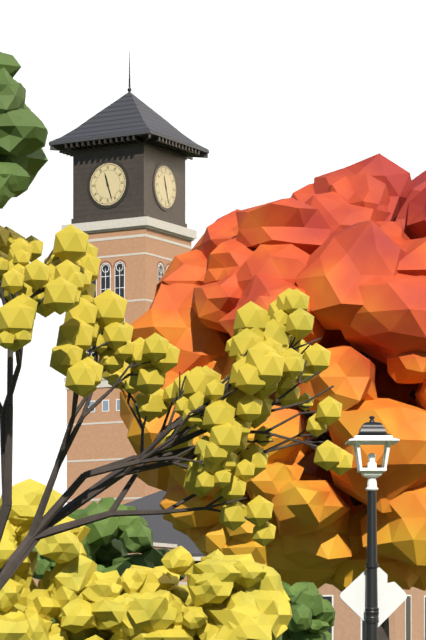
11:27
